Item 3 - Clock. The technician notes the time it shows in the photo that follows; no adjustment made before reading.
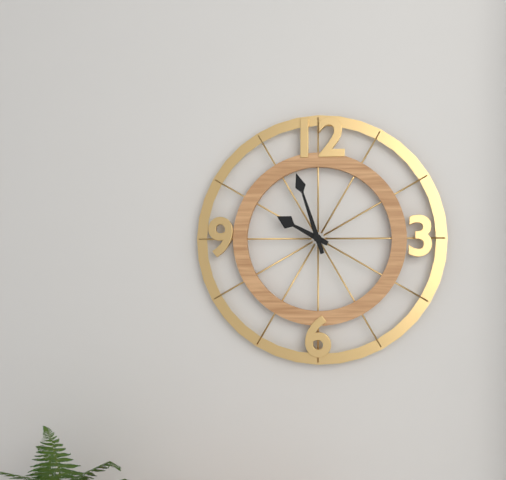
9:57
